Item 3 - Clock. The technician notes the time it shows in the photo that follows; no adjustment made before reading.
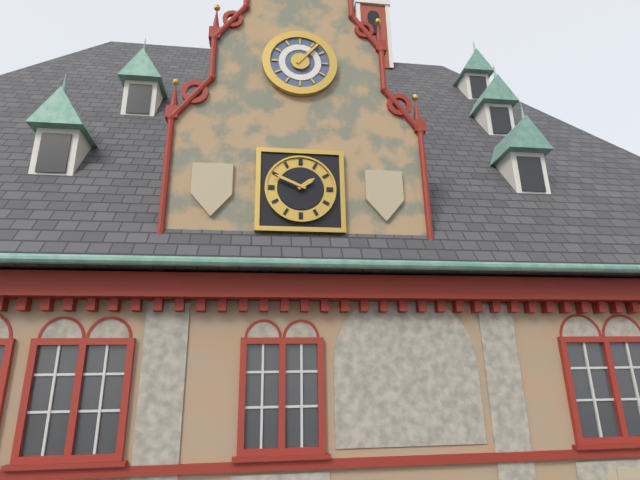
1:49
